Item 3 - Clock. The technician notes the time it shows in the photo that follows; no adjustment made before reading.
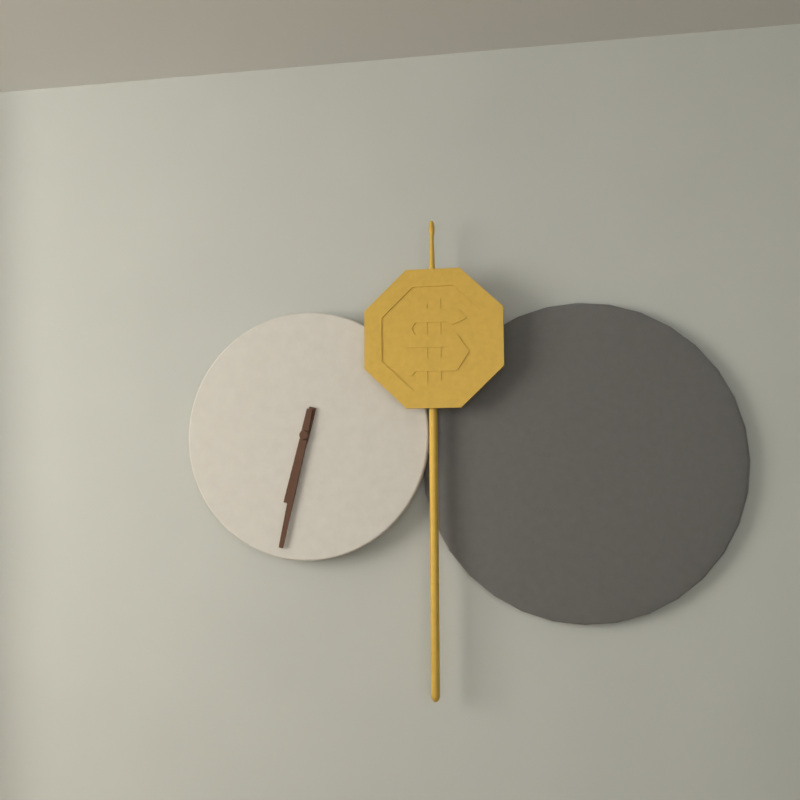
6:32
